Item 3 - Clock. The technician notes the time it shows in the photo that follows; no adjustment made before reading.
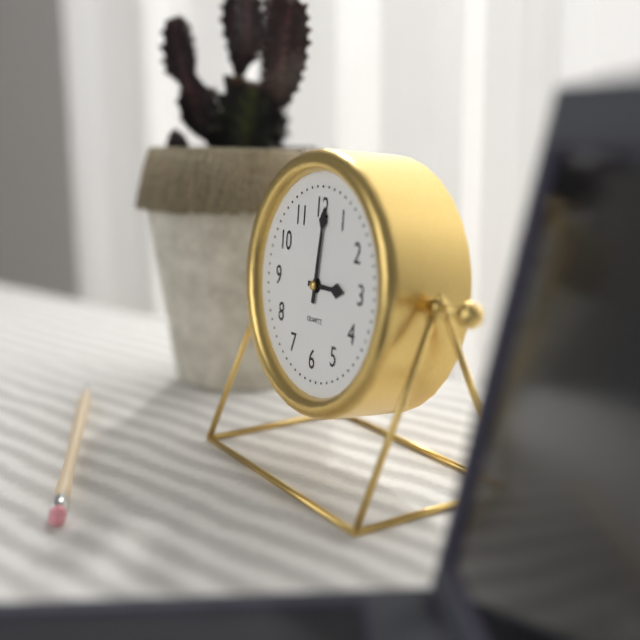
3:01
